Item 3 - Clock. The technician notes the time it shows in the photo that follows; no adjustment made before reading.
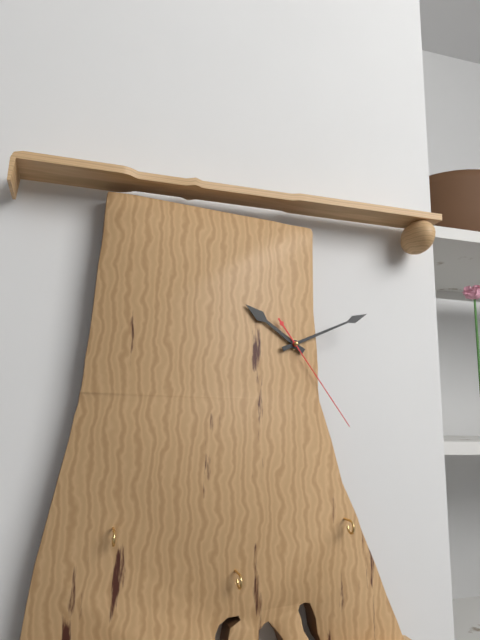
10:11:24
